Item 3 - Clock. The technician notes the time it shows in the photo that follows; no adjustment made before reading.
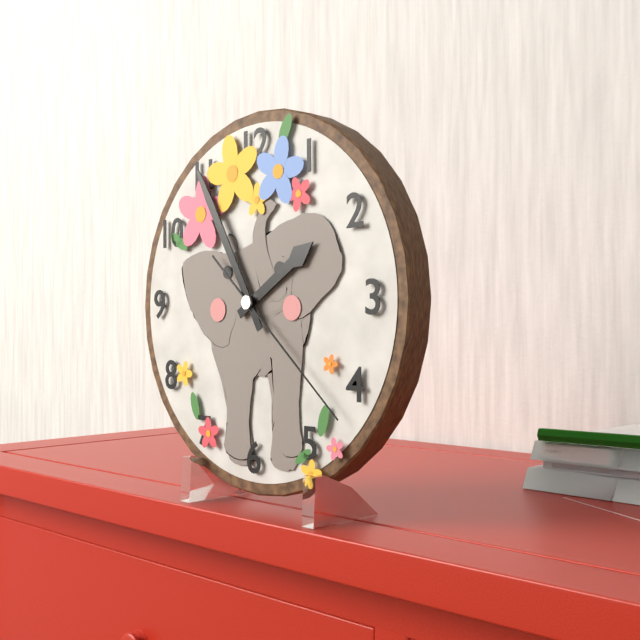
1:55:22
